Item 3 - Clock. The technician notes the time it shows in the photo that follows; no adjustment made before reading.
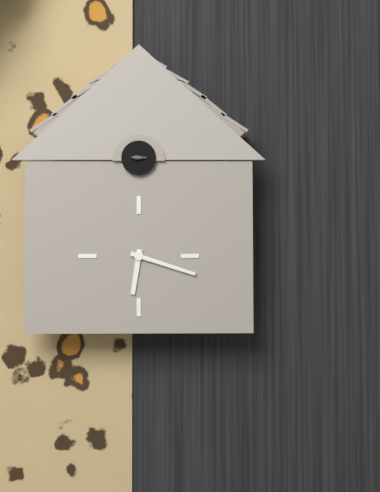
6:18
